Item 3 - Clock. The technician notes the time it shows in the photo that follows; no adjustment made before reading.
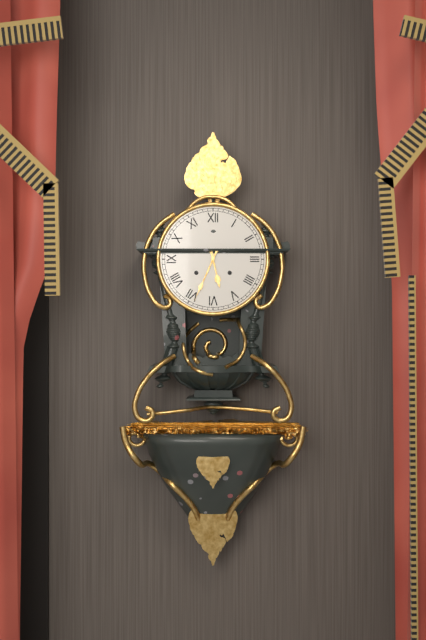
5:34
